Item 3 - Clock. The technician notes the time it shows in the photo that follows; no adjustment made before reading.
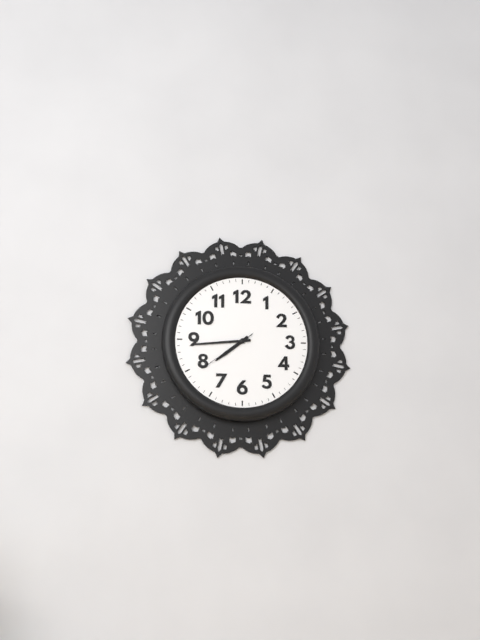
7:44:39
